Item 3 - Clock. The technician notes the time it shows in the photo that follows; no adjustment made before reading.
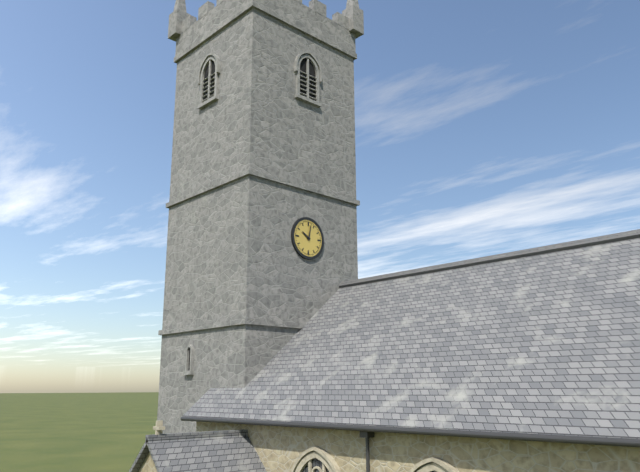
10:02
